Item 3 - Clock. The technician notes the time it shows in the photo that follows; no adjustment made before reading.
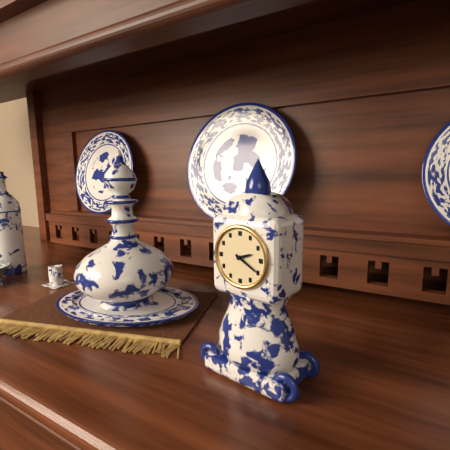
2:20
